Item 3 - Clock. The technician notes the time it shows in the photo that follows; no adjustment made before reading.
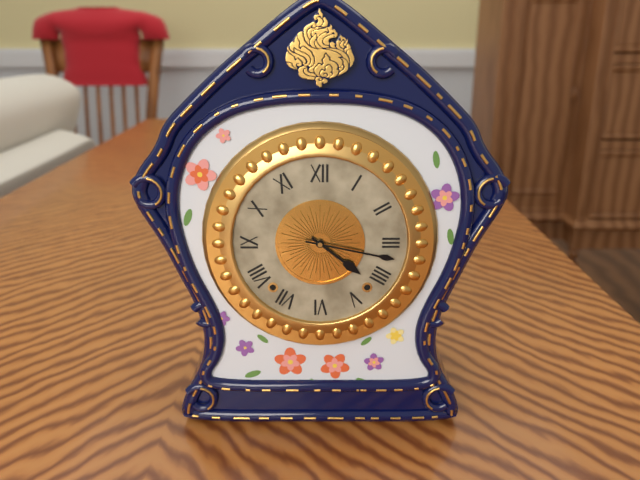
4:17
